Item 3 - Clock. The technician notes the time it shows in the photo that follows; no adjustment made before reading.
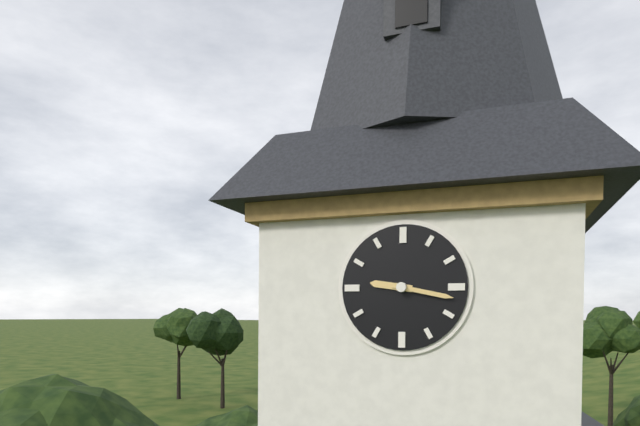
9:17
